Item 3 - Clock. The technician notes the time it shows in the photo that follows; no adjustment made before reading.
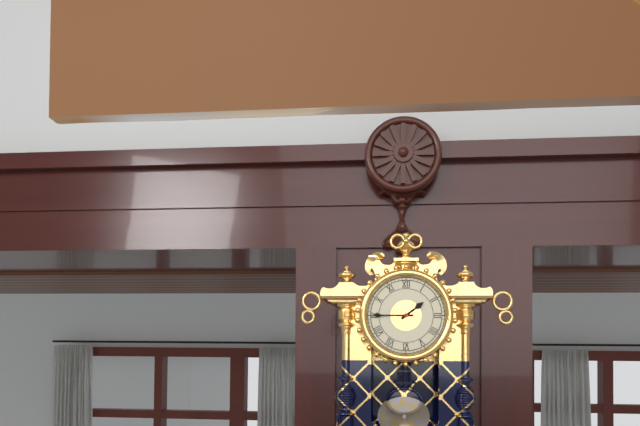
1:45
